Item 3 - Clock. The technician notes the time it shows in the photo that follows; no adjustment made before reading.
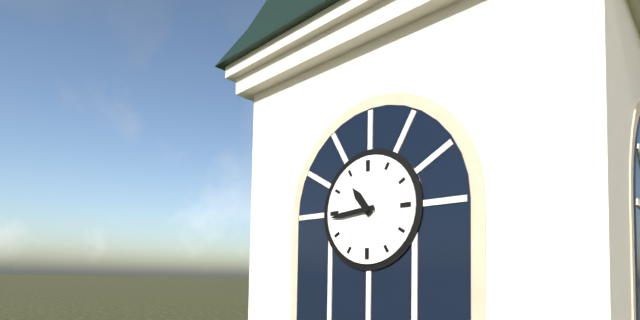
10:44
